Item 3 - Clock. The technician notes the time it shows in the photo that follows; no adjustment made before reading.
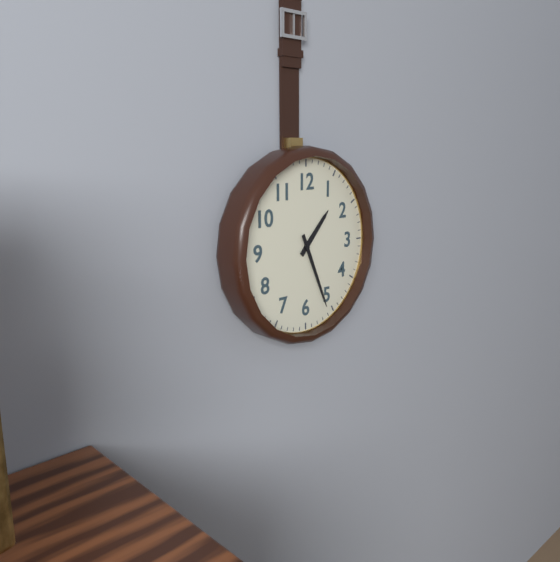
1:26
